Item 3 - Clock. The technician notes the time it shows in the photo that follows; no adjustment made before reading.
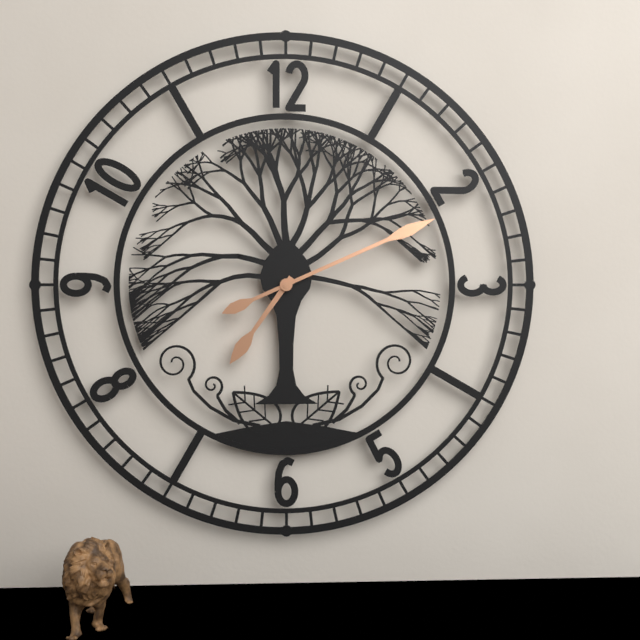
7:11
